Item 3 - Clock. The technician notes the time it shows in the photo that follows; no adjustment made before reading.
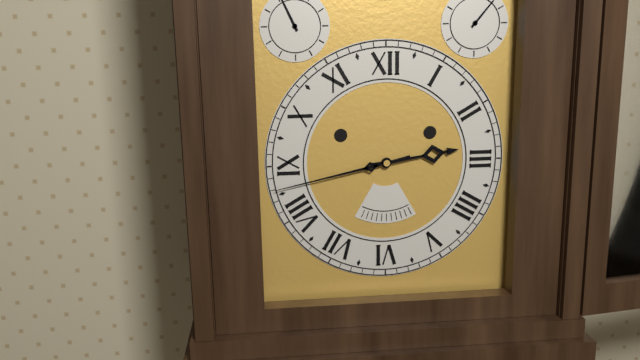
2:43
